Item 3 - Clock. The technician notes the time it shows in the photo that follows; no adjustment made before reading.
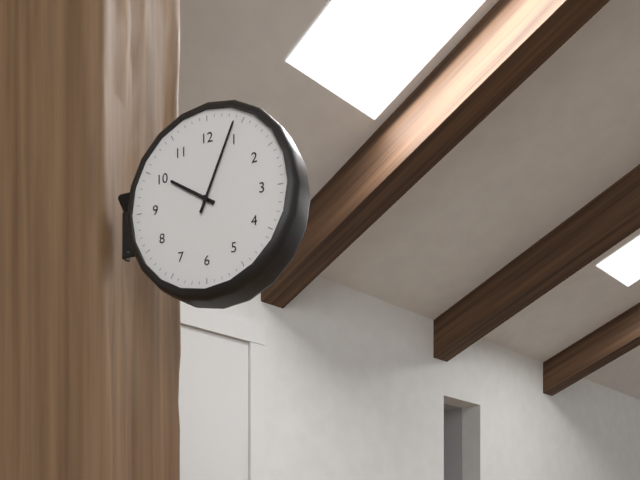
10:04
